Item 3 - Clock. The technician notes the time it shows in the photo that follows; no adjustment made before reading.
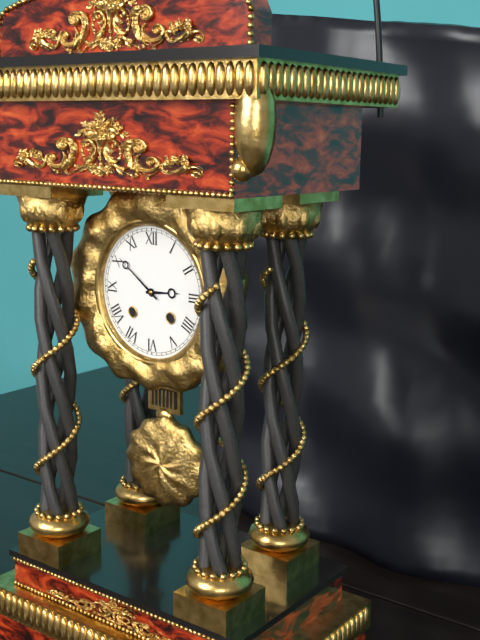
2:51
